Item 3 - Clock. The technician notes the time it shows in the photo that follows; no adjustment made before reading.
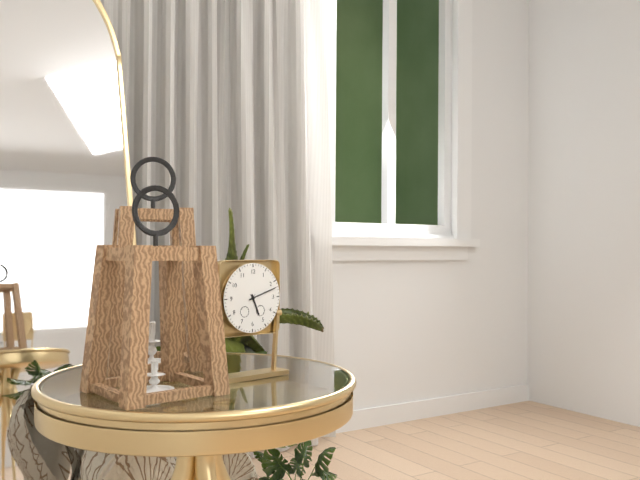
5:12
